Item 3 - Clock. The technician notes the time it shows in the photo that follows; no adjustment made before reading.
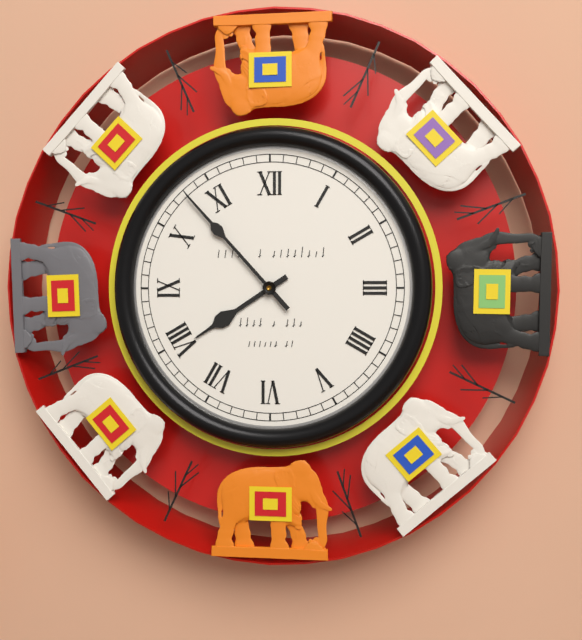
7:53
